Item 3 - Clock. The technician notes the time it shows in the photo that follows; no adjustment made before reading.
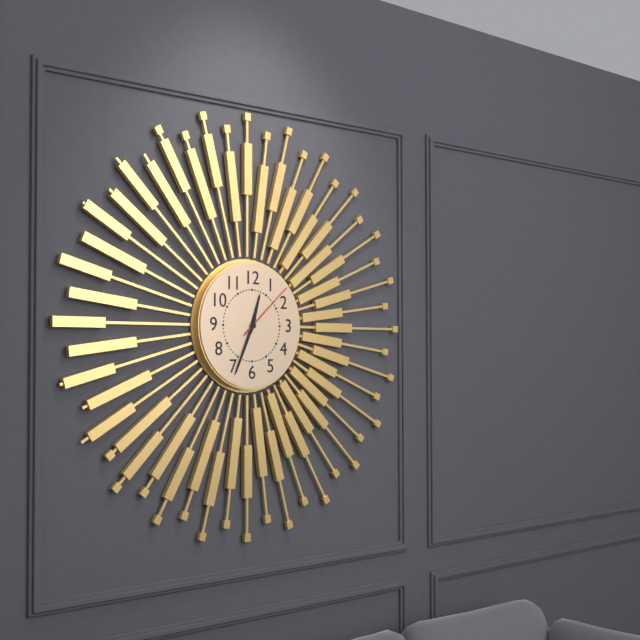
12:34:08
